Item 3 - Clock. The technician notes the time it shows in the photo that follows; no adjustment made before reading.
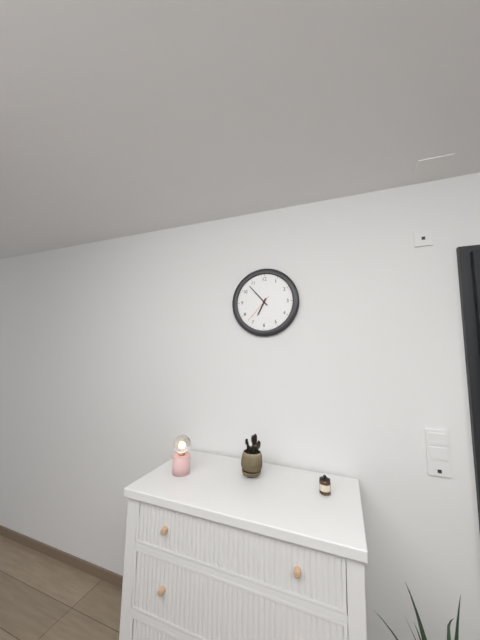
6:53
